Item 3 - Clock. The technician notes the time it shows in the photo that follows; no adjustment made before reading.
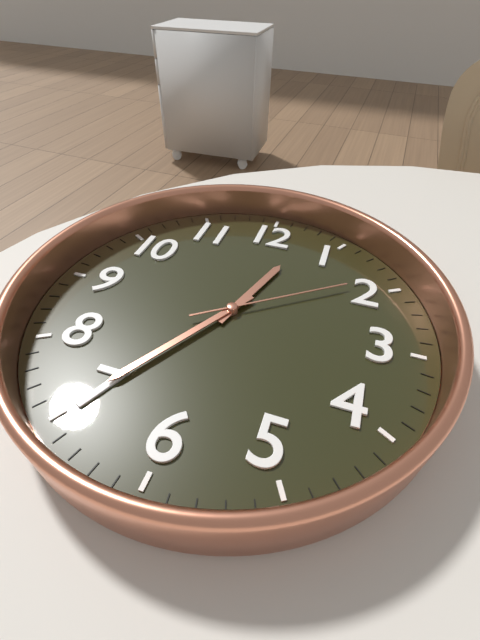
12:35:09
